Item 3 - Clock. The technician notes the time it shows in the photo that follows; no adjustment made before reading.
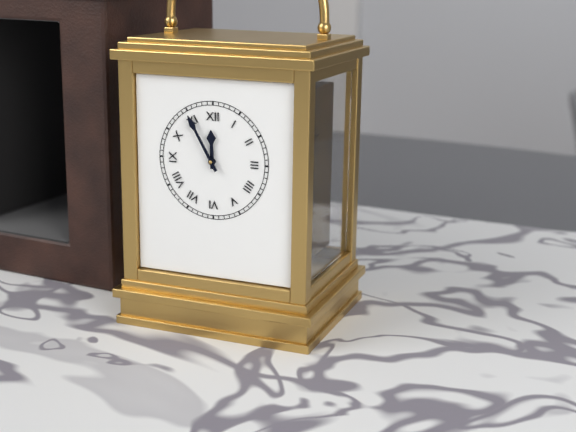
11:55
